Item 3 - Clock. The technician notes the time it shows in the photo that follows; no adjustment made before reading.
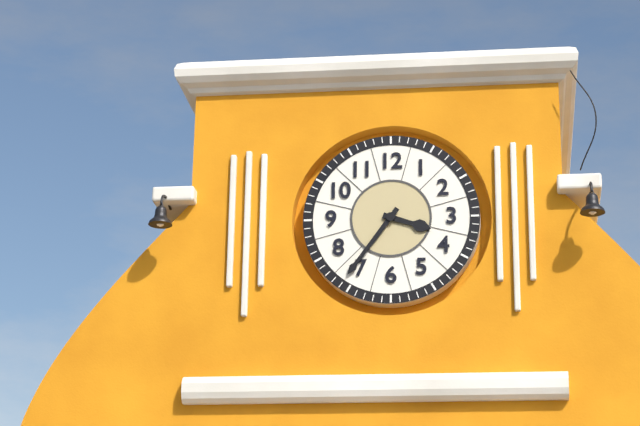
3:36
